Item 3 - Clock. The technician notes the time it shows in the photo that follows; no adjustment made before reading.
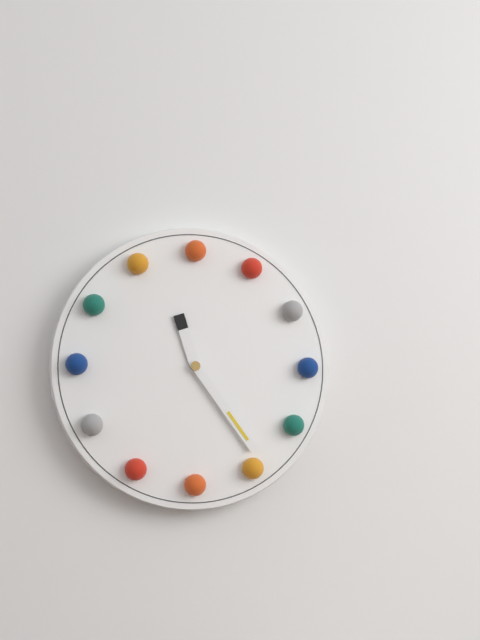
11:24
